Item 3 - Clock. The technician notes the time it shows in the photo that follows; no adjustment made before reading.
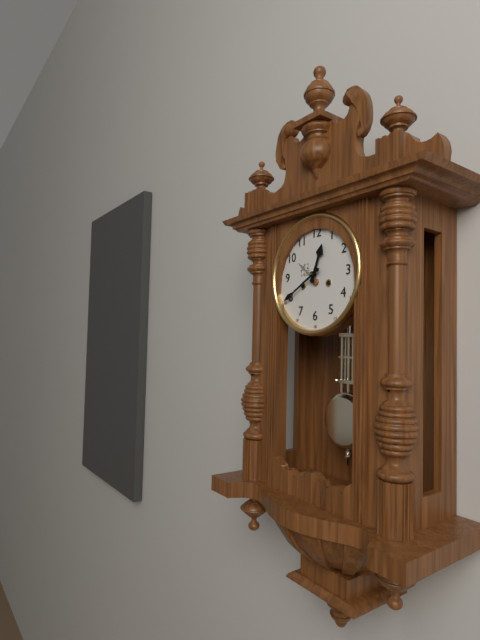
12:40
